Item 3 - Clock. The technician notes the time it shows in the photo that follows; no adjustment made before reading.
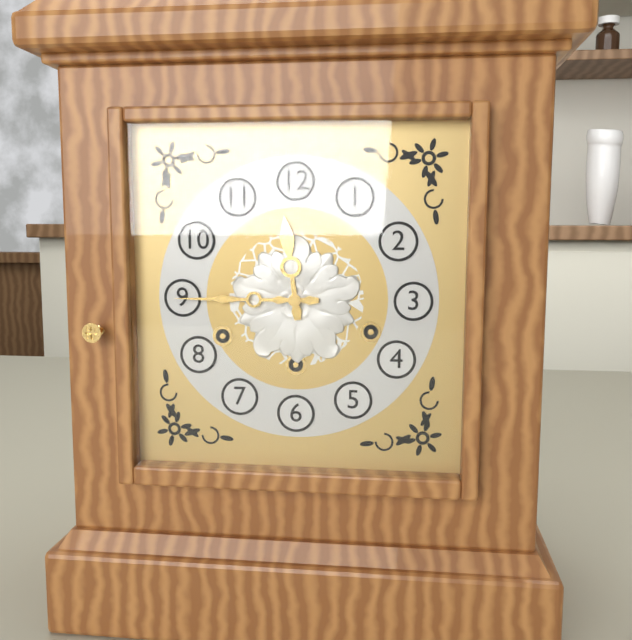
11:45
